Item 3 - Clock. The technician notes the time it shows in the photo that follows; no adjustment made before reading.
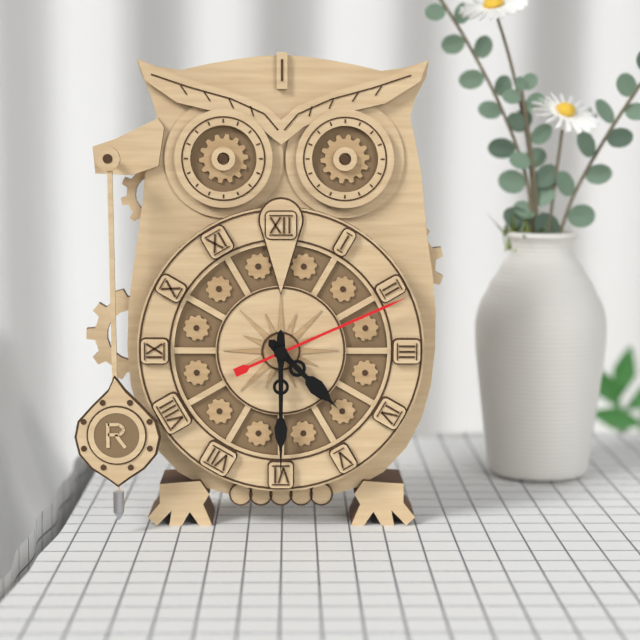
4:30:11
